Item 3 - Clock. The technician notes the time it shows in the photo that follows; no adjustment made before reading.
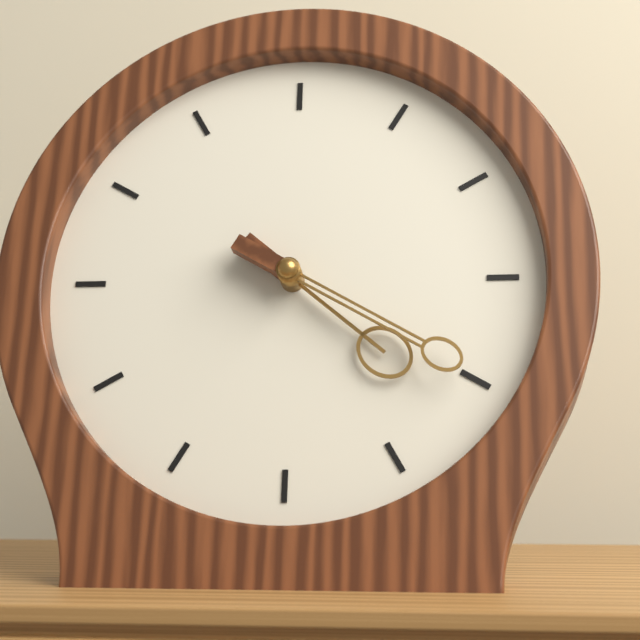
4:20
